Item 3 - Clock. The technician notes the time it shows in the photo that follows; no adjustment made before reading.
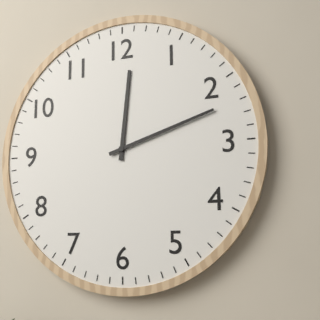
12:12
